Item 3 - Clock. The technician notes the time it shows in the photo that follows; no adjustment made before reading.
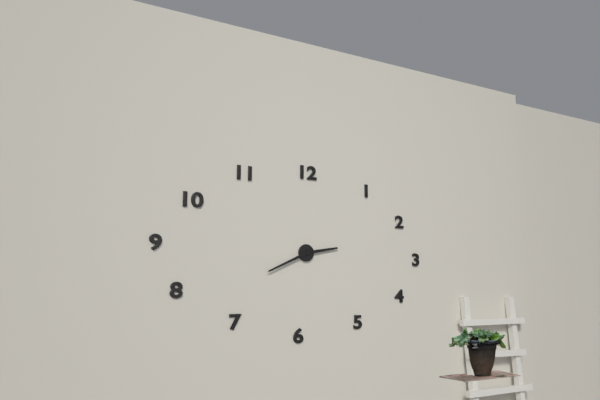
2:41
